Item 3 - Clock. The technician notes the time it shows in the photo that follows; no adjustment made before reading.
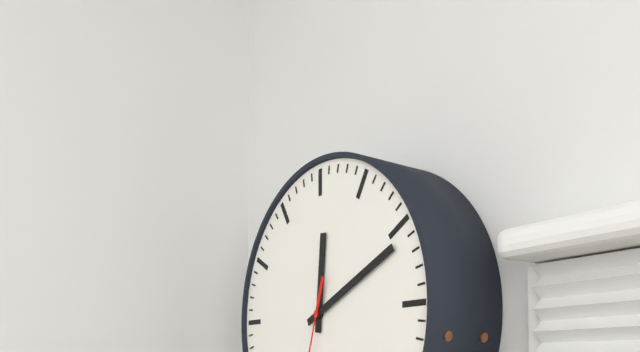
12:11
